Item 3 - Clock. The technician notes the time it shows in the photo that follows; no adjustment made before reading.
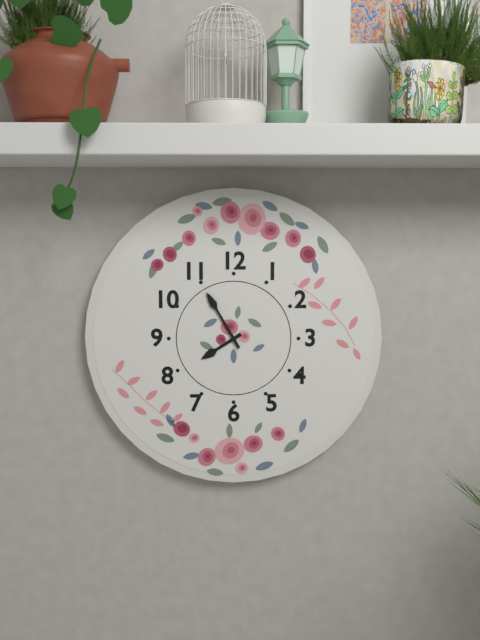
7:55
